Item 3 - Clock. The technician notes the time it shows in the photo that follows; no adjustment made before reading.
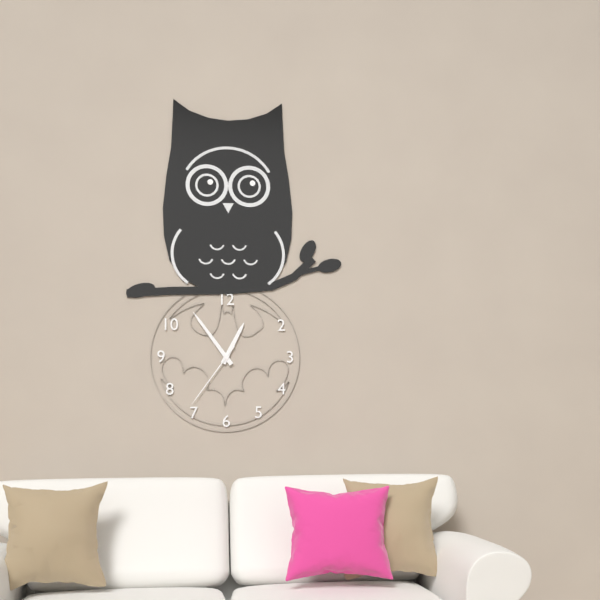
12:54:36
